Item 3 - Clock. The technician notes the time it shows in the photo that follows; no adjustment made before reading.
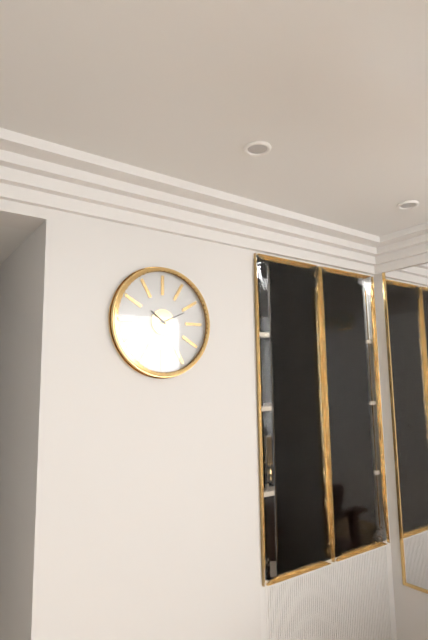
10:11
